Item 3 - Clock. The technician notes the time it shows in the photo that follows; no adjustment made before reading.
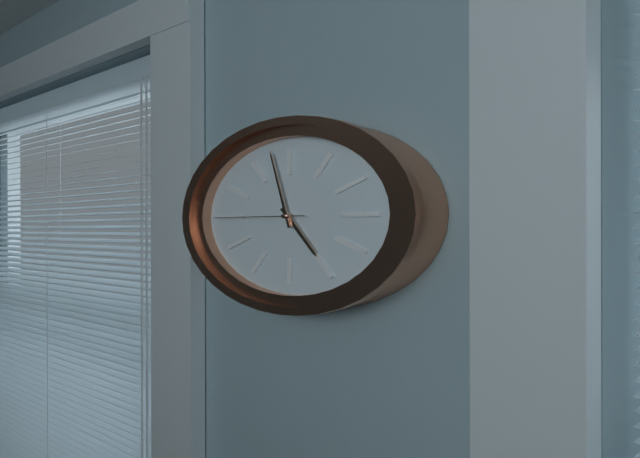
4:58:45
